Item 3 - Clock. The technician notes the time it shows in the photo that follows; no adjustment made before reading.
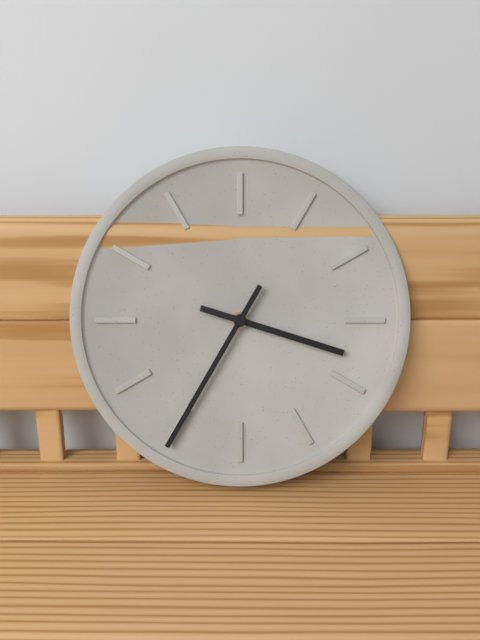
3:35
